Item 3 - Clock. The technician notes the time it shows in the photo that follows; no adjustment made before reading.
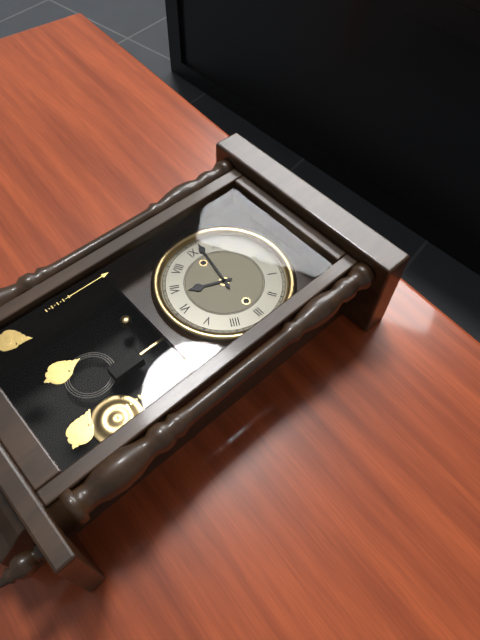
6:47
